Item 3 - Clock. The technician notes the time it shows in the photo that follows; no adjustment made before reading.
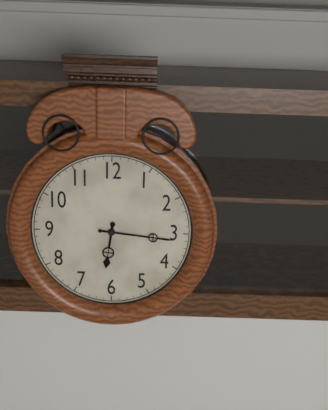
6:16
